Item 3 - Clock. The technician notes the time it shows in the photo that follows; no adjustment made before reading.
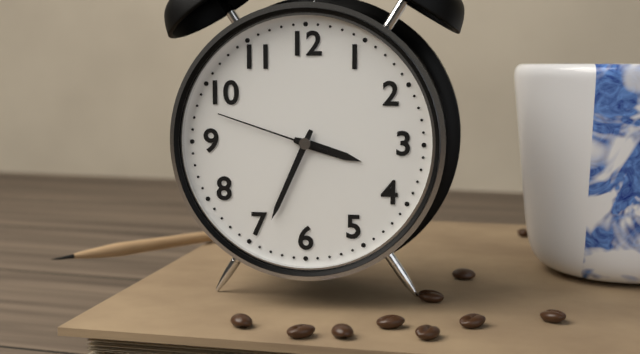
3:34:48
